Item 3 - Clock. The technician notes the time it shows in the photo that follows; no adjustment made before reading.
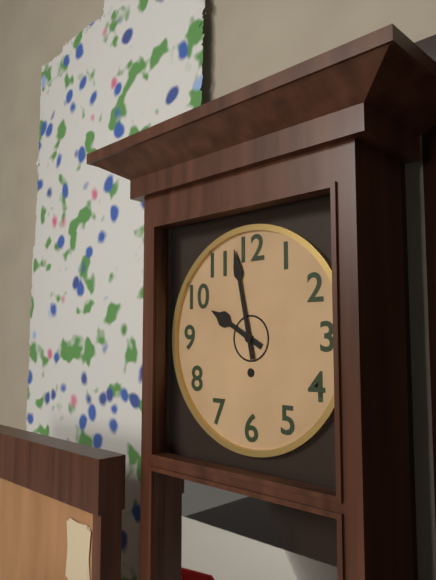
9:58
